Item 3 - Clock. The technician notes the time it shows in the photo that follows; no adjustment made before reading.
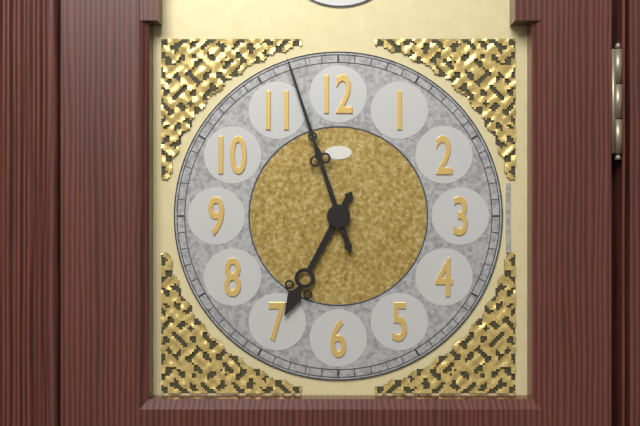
6:57
